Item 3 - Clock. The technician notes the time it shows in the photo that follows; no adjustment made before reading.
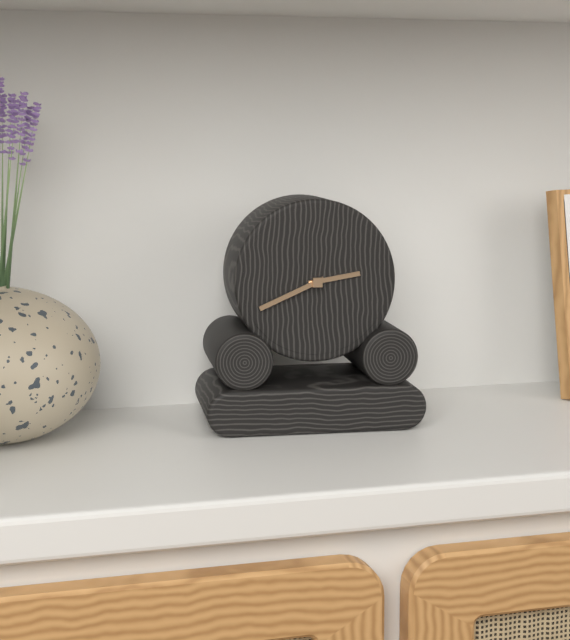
2:41
